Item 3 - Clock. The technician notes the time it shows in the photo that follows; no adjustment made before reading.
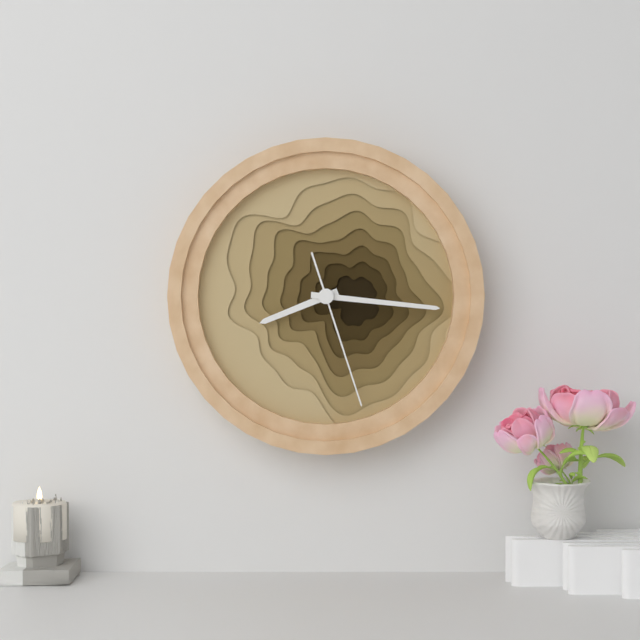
8:16:27
